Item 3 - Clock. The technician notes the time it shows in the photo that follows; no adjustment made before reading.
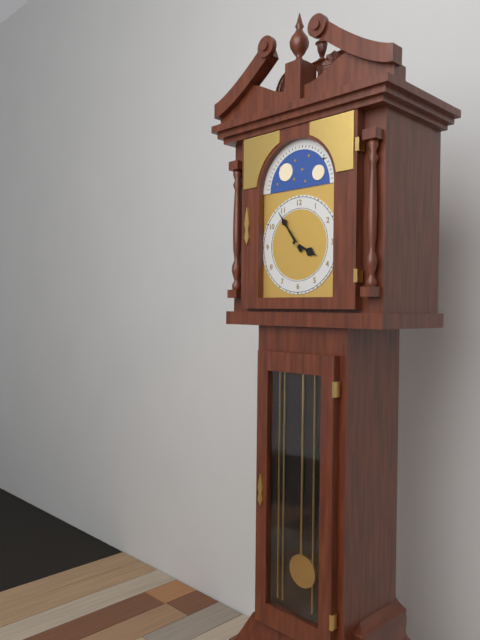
3:54
